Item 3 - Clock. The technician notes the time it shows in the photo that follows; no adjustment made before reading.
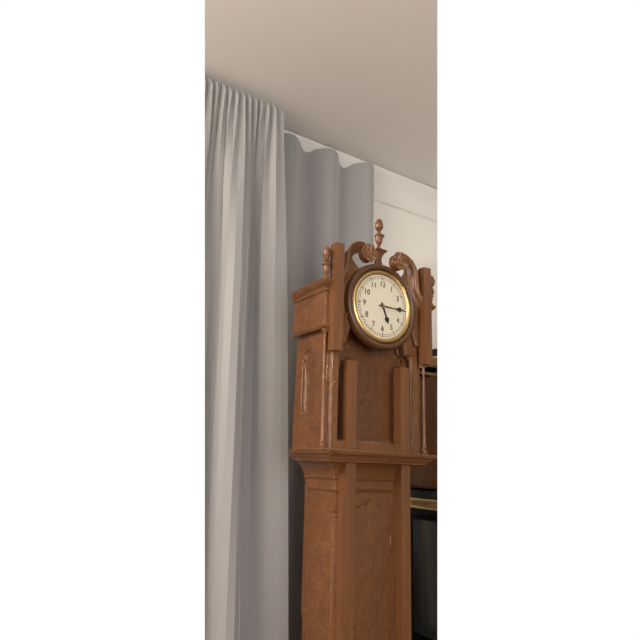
5:15
